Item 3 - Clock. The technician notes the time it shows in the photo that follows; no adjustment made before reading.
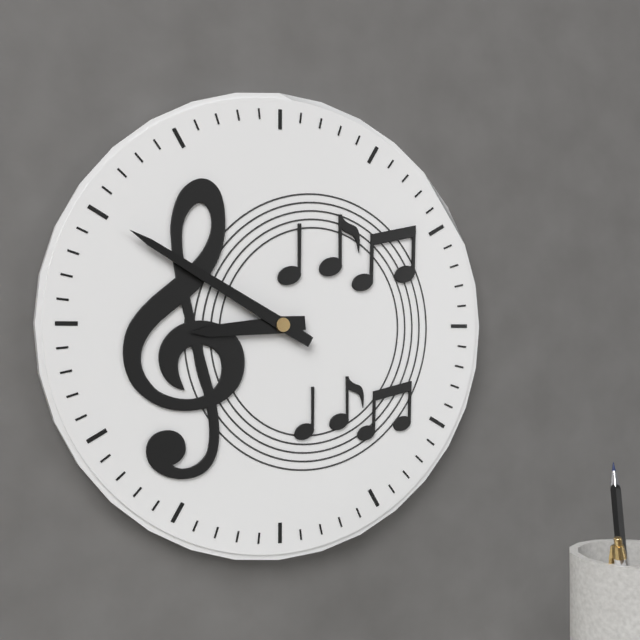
8:50
